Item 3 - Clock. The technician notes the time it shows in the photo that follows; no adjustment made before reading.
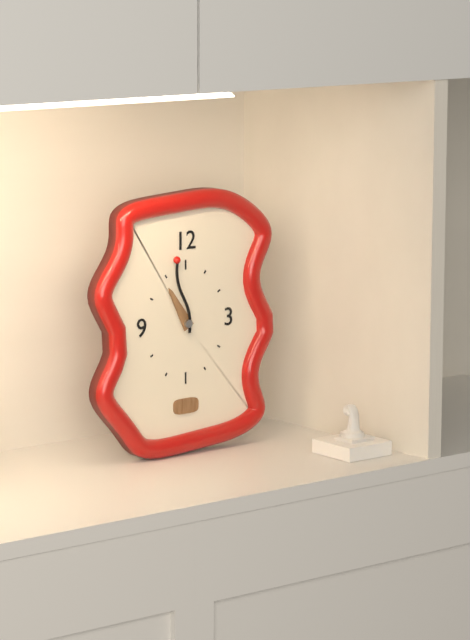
10:58
